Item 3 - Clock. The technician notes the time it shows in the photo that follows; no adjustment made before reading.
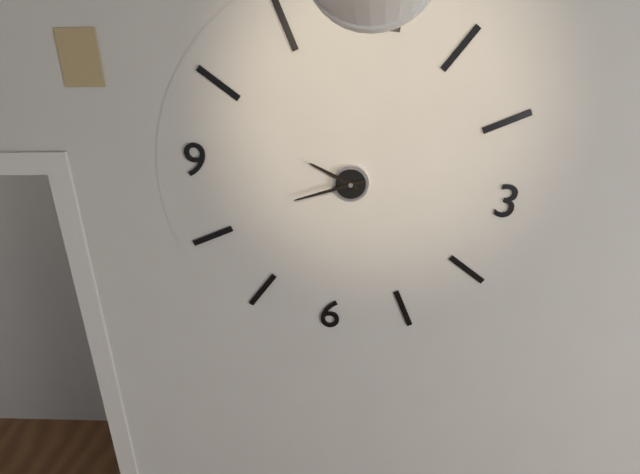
9:41
